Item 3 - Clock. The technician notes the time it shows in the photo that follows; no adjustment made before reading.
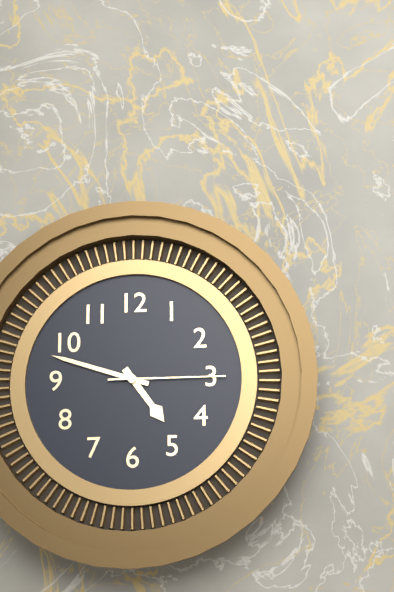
4:48:15
